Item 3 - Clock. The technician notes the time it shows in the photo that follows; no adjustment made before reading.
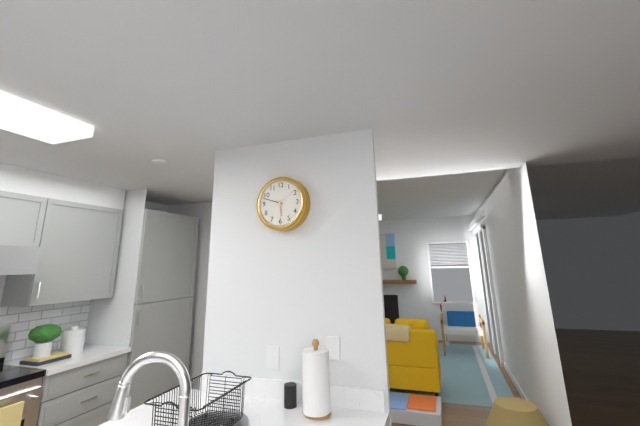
5:48
